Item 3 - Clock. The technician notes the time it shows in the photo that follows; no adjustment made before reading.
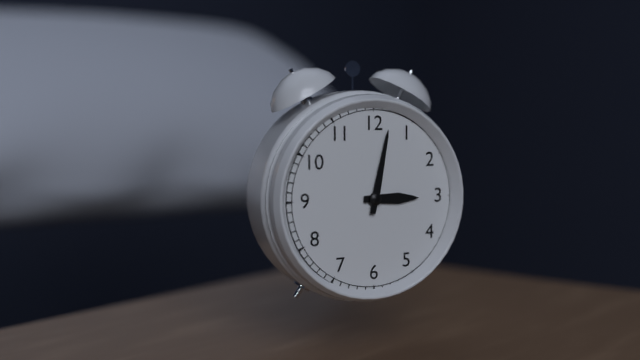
3:02
